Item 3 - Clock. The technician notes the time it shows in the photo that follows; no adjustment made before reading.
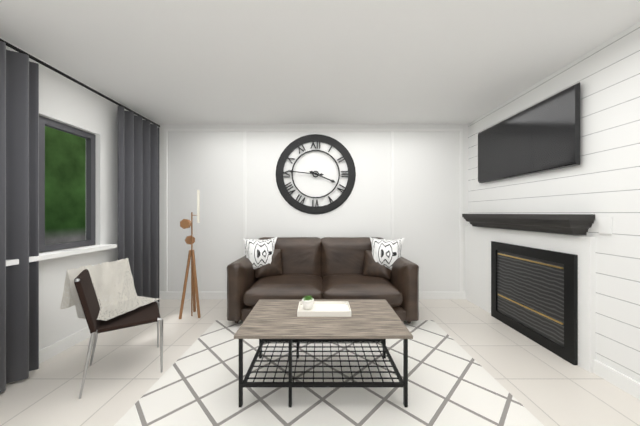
3:46
